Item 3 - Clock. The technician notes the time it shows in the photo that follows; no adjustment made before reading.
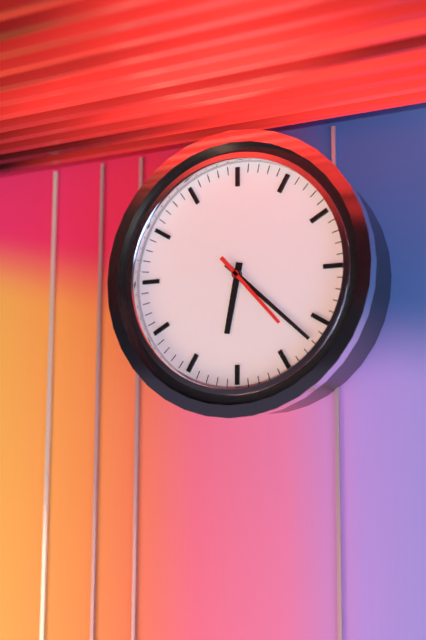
6:22:23
